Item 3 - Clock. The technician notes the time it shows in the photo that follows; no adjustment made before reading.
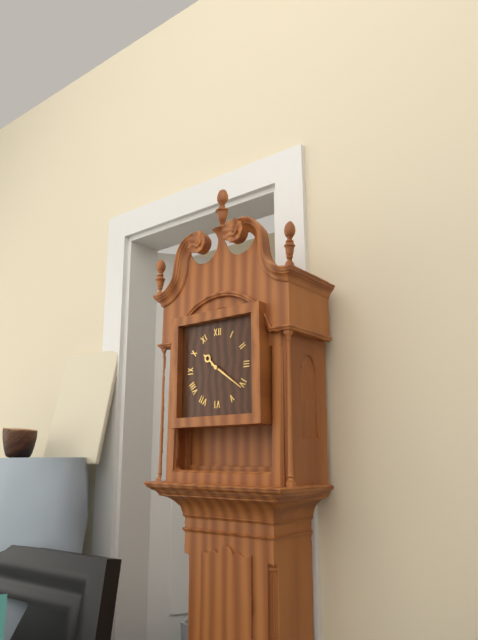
10:21
